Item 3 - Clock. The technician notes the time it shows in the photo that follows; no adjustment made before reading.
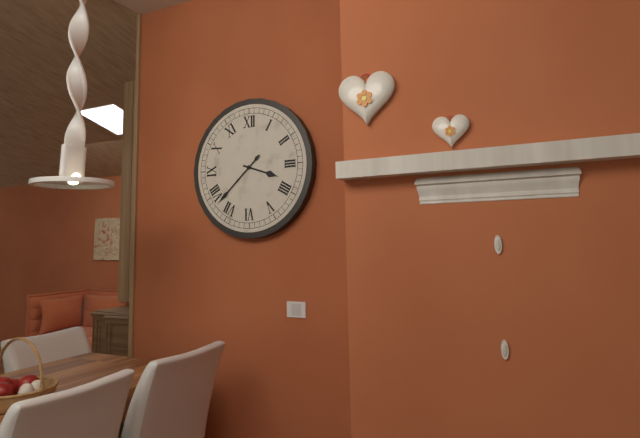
3:38
